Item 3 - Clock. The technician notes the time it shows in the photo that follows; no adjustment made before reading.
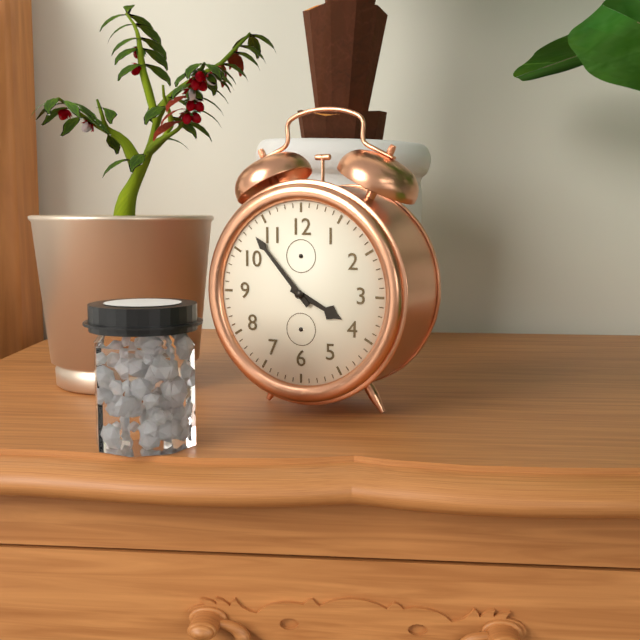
3:53
